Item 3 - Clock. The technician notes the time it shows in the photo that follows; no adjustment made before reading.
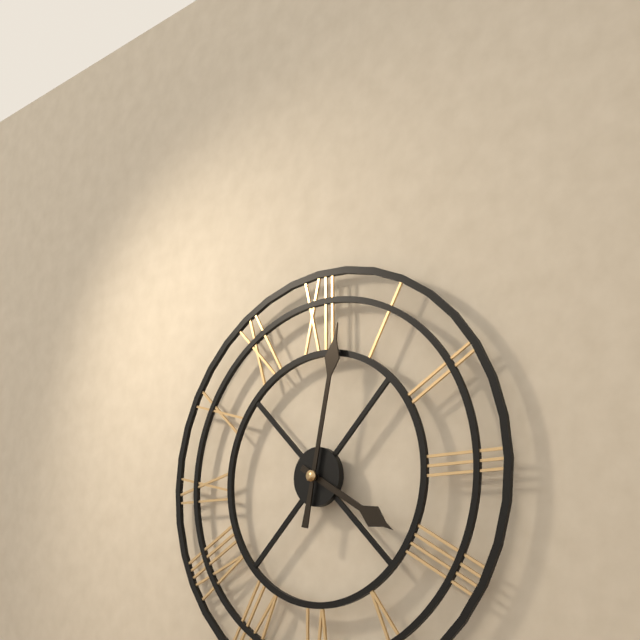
4:02
